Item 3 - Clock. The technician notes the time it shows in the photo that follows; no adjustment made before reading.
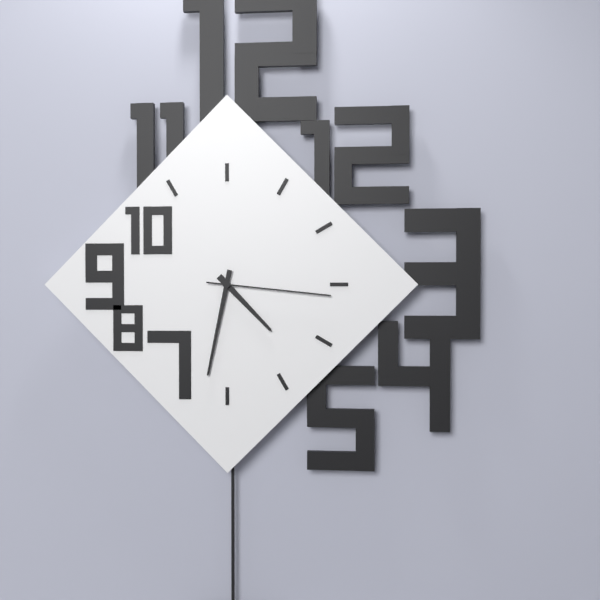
4:32:16
